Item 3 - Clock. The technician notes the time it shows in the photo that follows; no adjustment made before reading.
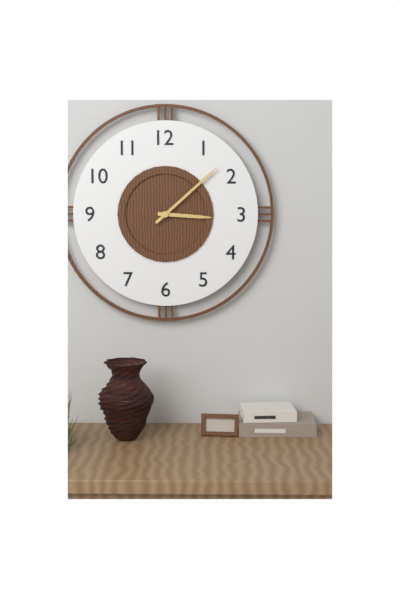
3:08
